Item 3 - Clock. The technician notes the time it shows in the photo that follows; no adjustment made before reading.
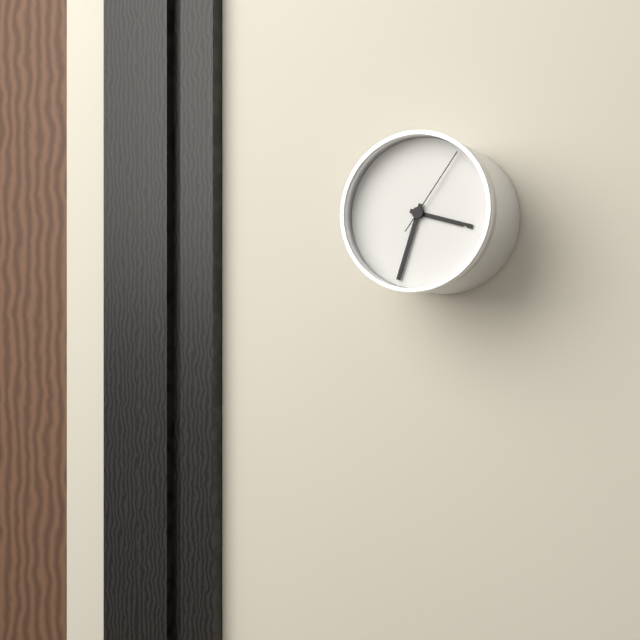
3:33:06
